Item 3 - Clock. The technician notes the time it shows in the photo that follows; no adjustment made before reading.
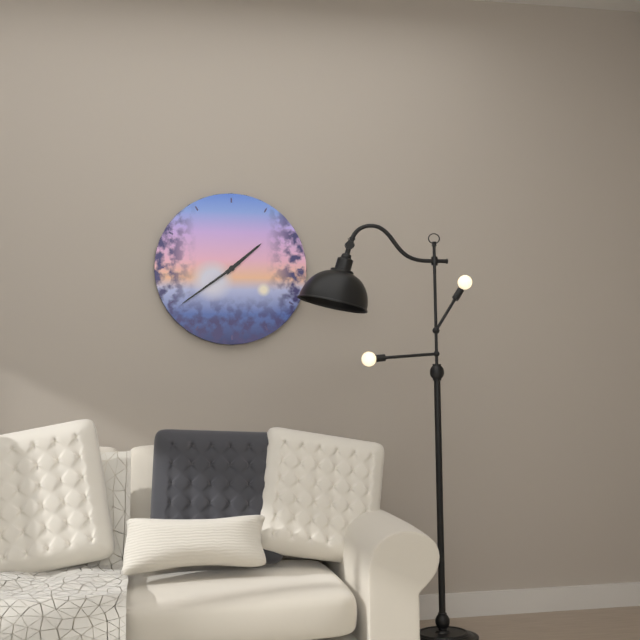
1:39
